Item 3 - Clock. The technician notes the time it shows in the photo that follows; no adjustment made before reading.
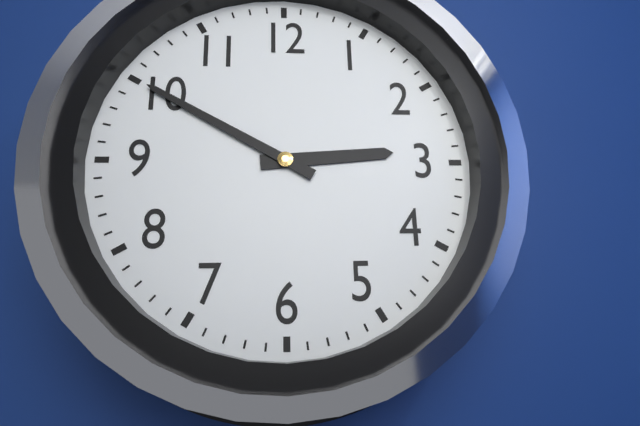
2:50
